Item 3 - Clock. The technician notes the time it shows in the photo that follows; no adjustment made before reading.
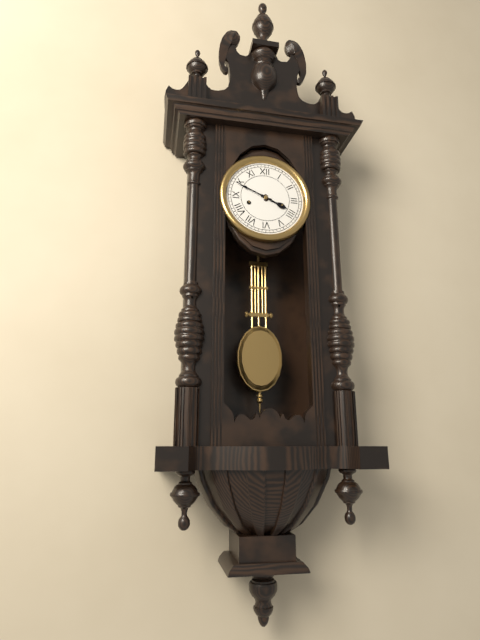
3:49
